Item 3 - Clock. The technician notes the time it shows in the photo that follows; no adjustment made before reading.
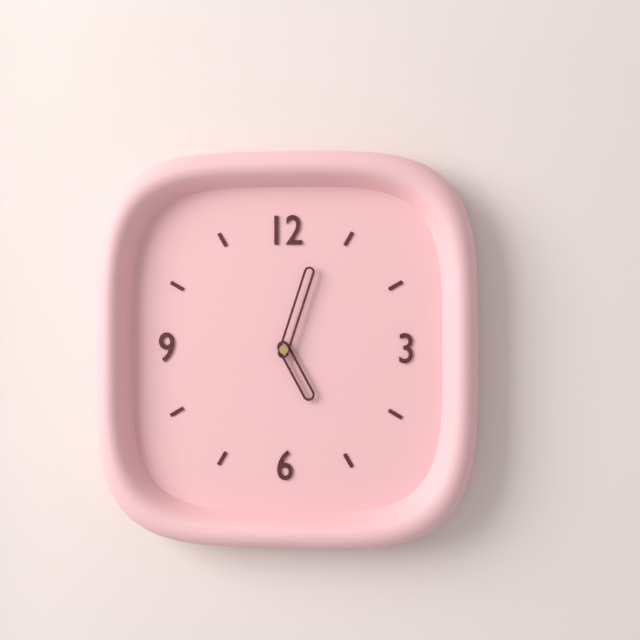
5:03
